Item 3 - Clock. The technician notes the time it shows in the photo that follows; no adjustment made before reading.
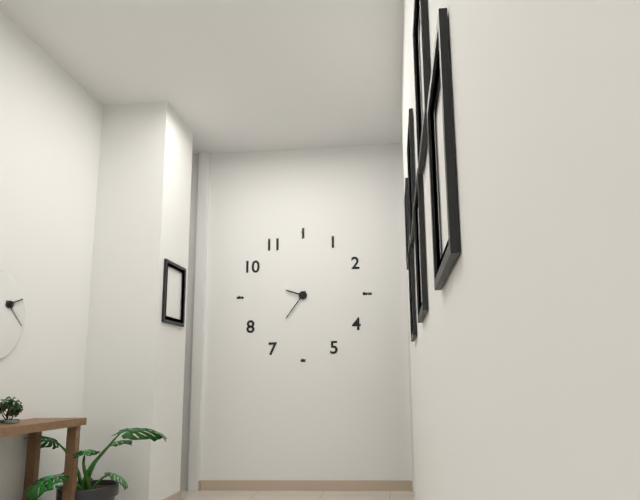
9:36
